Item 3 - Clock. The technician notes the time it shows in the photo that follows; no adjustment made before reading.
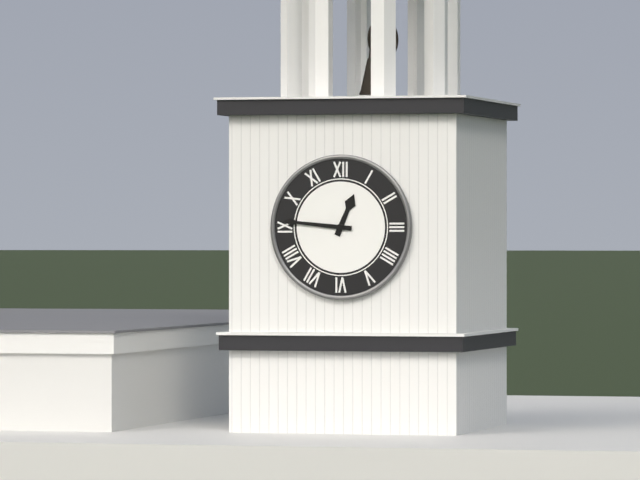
12:46
